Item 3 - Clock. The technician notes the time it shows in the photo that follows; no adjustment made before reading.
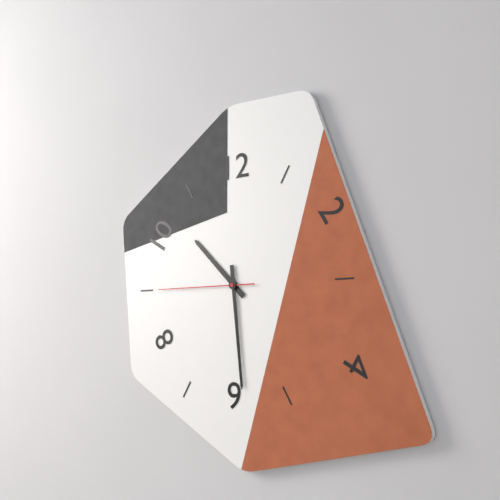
10:29:45
